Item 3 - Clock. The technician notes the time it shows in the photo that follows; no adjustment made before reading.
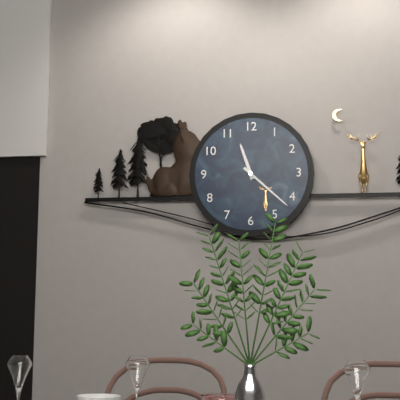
11:22
